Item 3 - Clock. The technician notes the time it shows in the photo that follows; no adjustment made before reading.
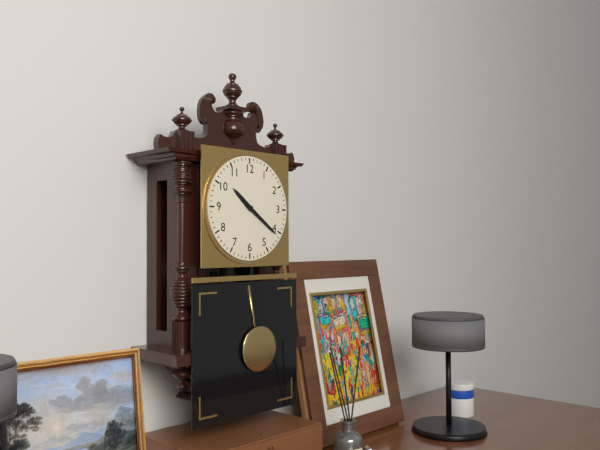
10:21
